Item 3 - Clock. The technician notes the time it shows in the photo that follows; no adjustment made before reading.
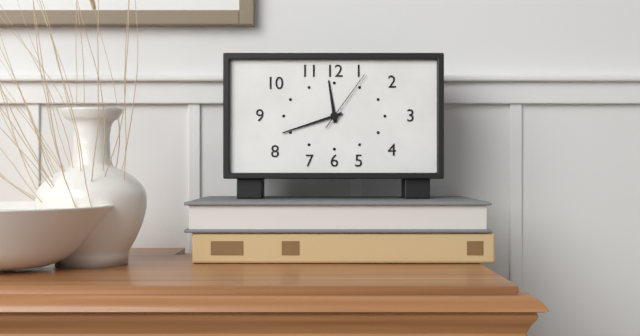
11:42:06
